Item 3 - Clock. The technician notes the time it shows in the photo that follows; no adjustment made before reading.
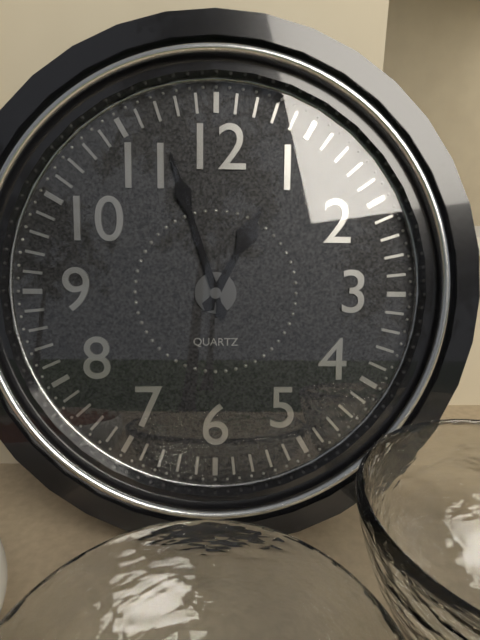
12:57
